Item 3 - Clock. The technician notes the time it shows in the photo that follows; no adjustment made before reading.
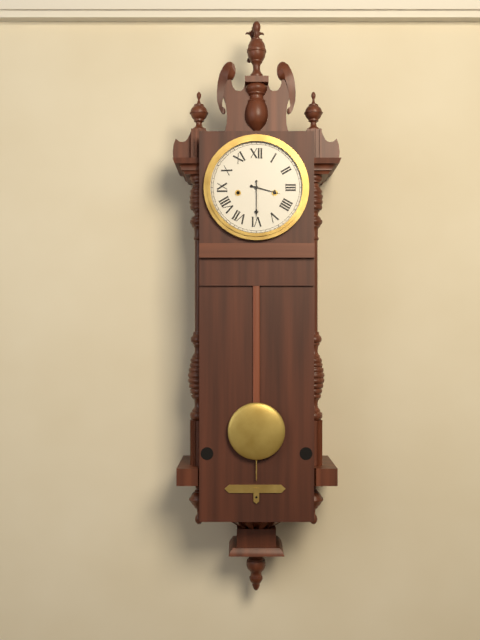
3:30
